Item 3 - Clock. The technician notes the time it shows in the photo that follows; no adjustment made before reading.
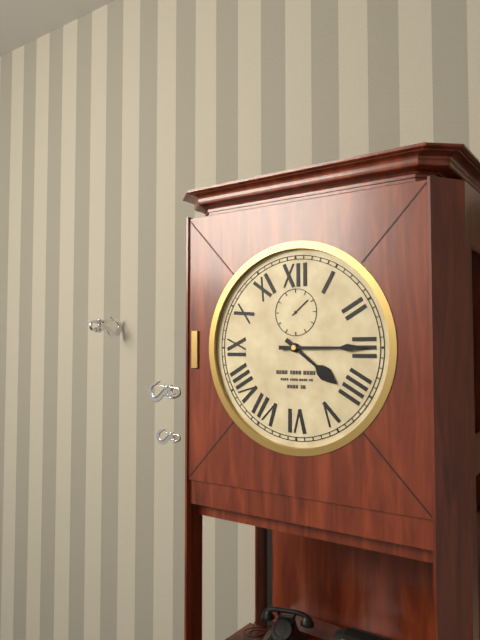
4:15
